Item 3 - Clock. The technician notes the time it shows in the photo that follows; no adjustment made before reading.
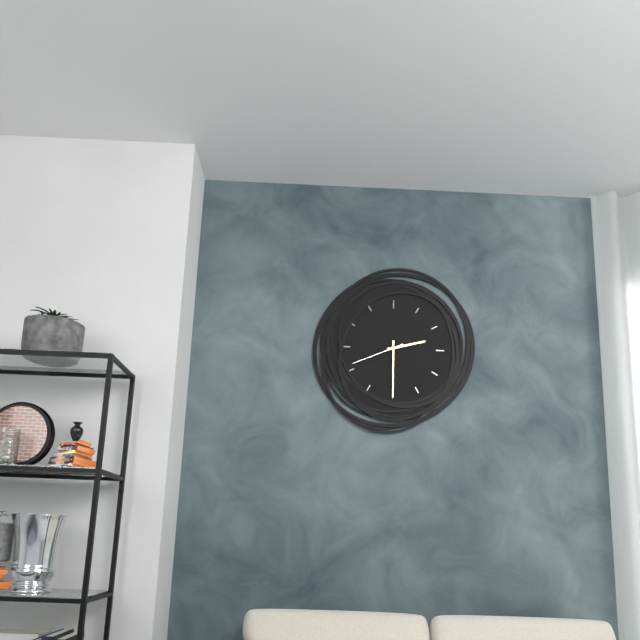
2:30:41
